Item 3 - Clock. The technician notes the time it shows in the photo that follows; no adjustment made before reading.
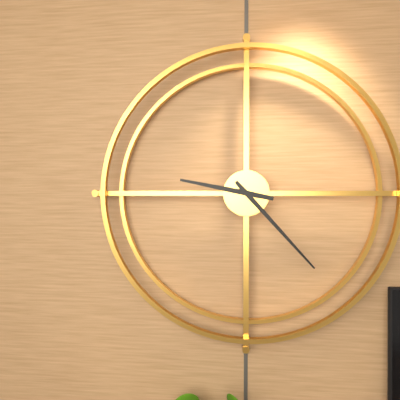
9:23
